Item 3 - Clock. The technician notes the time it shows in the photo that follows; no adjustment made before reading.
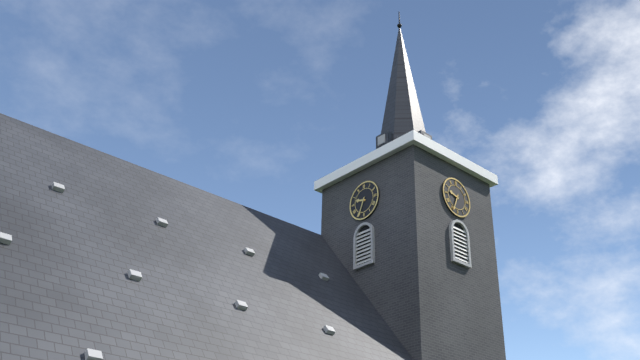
9:34
